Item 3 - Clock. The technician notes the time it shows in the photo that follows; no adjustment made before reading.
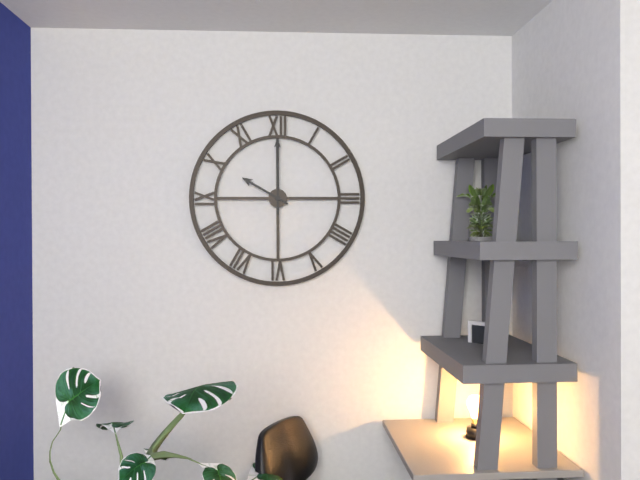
10:00
